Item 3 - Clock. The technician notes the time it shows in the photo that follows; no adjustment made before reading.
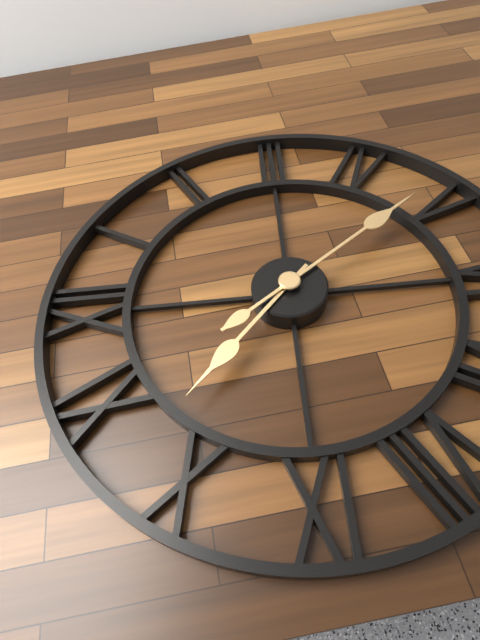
10:24
